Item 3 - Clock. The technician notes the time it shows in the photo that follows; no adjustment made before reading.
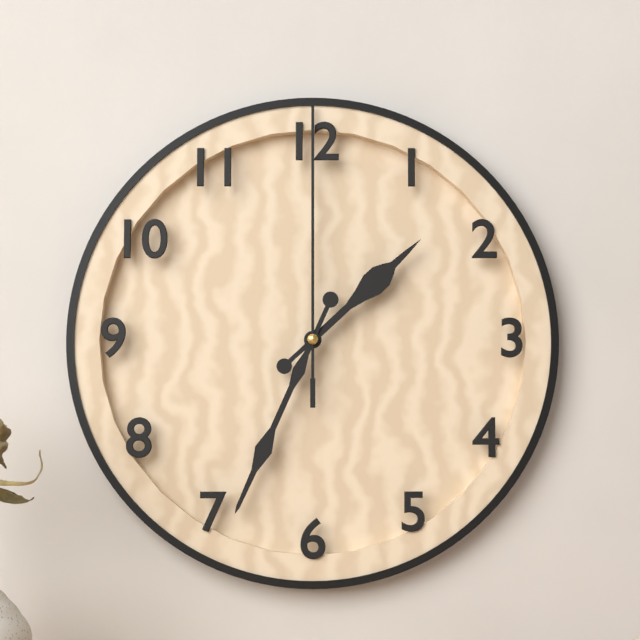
1:34:00
